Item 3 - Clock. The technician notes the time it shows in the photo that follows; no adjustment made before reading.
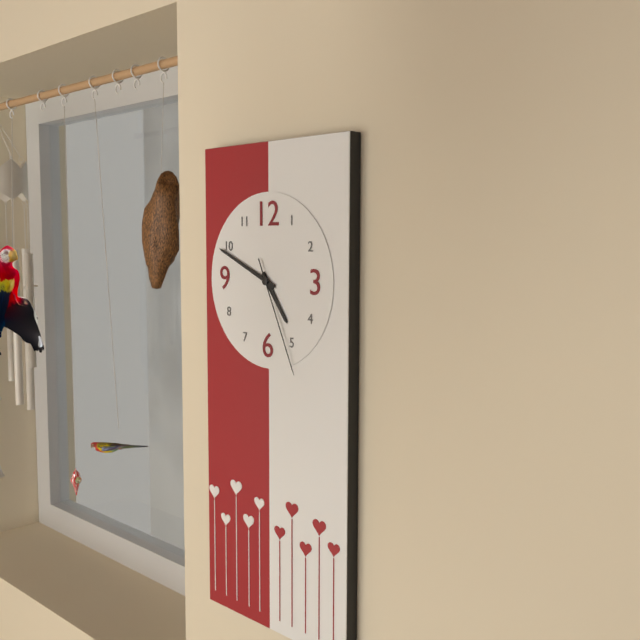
4:49:26
